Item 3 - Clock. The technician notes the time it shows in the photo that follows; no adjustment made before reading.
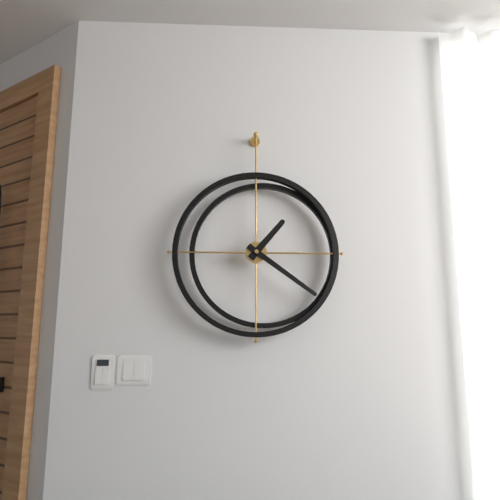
1:21
